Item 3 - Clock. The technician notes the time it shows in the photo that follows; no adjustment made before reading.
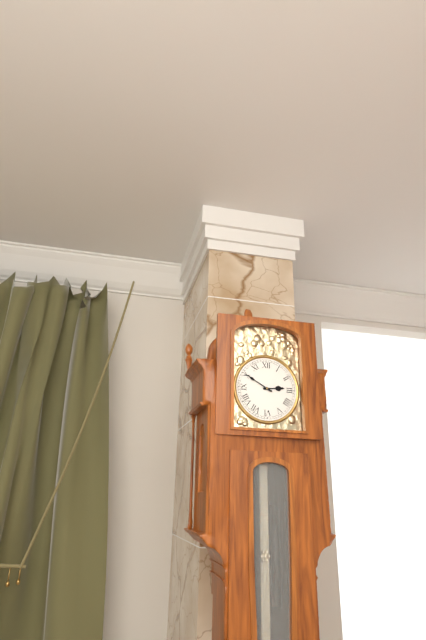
2:50
